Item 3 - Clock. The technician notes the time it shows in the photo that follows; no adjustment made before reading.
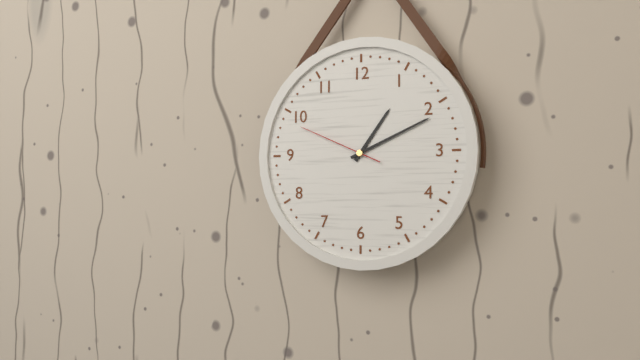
1:11:49
